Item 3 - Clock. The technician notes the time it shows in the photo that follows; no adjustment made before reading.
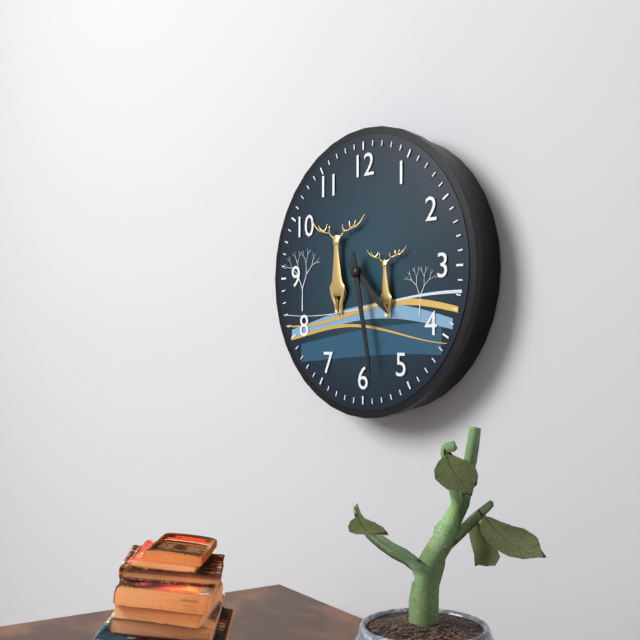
4:28
